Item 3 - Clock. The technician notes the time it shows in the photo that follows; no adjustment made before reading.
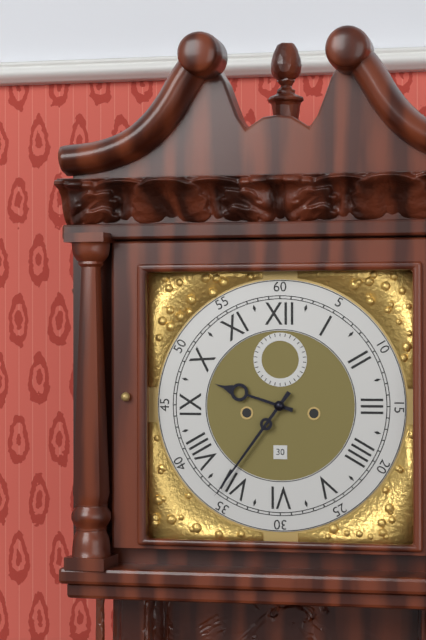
9:36
